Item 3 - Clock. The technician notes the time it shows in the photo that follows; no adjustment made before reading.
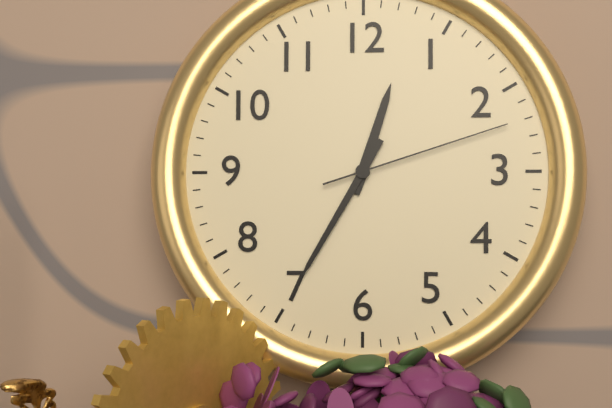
12:35:12
